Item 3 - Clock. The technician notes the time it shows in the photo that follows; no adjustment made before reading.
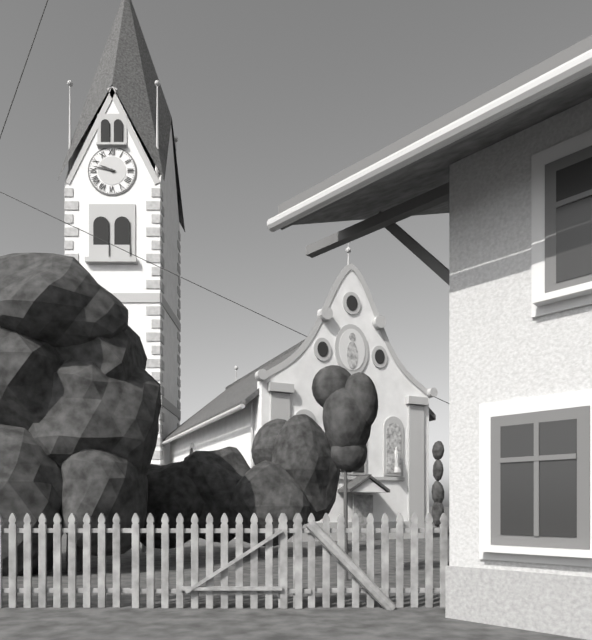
9:47
